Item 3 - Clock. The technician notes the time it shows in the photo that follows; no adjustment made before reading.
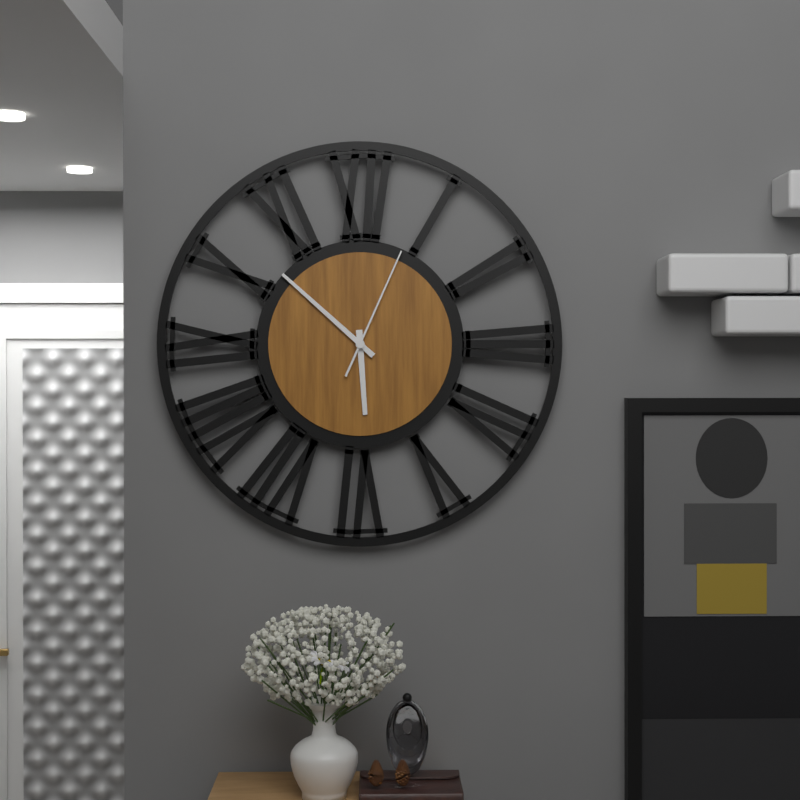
5:52:04
